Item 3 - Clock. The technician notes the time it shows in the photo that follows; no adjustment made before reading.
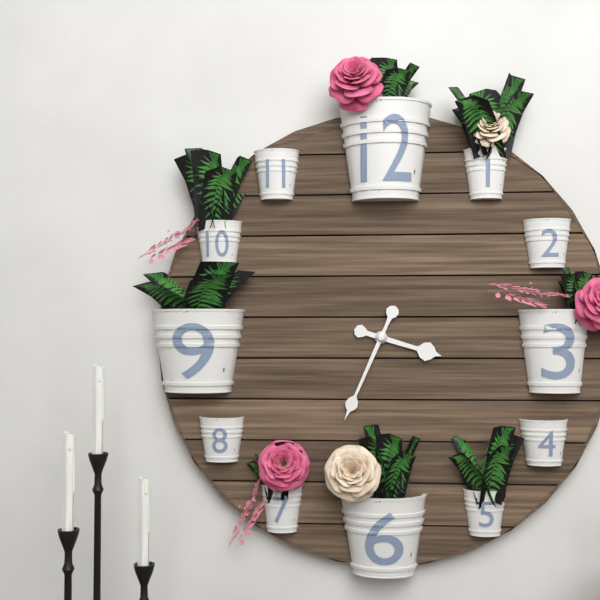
3:34
